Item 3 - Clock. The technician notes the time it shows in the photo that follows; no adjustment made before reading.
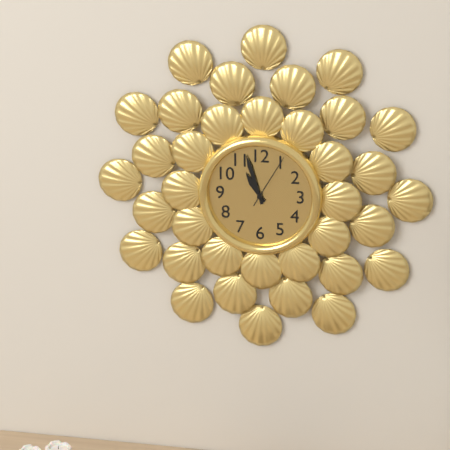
10:57:05
